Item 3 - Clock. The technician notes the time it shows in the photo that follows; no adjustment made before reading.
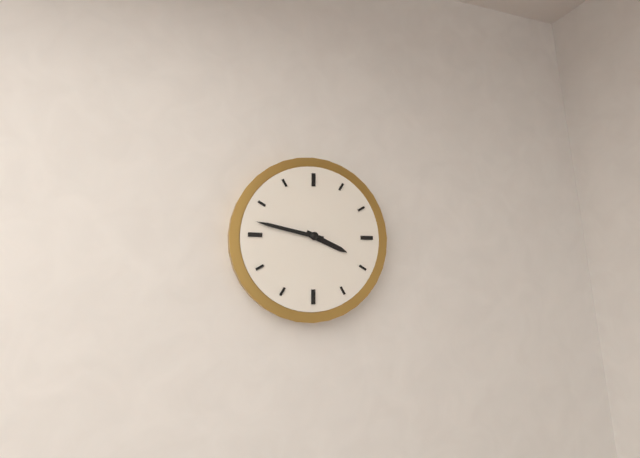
3:47
